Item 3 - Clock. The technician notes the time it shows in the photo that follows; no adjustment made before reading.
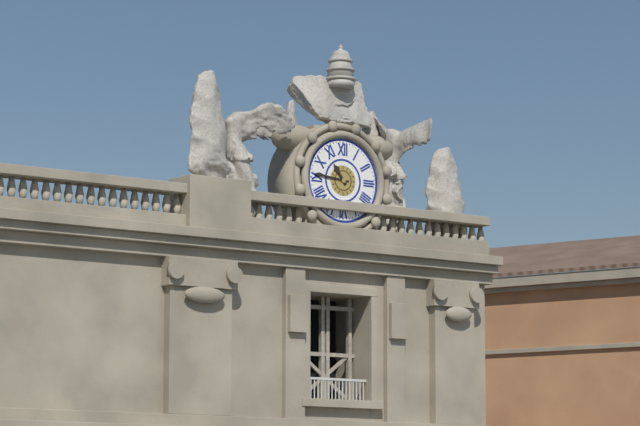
10:46
